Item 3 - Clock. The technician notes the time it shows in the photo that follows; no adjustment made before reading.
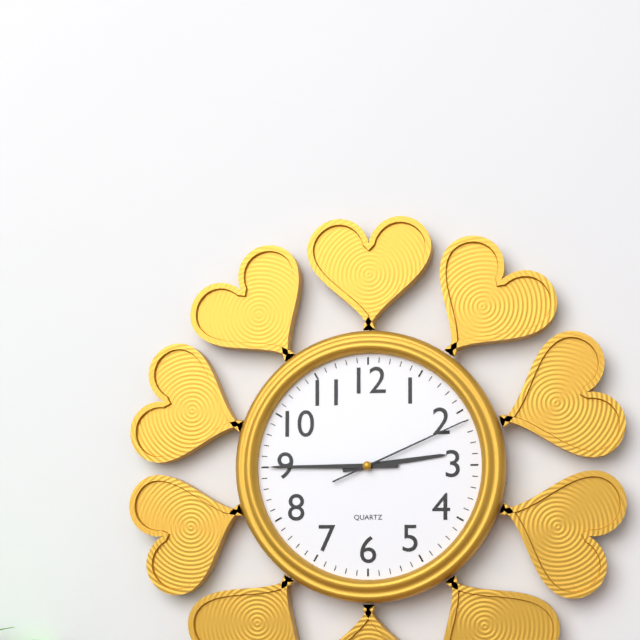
2:45:11
